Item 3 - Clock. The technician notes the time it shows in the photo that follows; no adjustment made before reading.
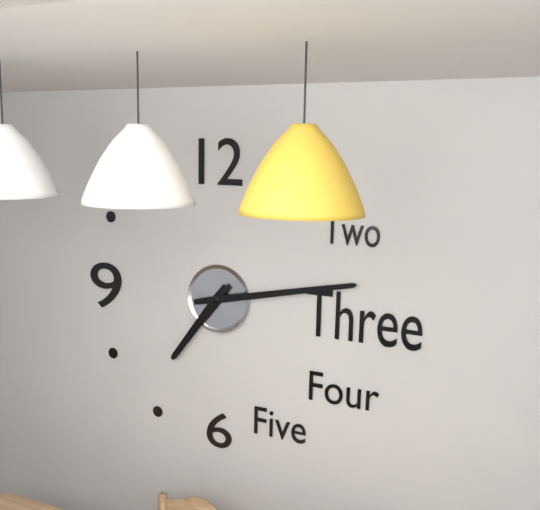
7:13
